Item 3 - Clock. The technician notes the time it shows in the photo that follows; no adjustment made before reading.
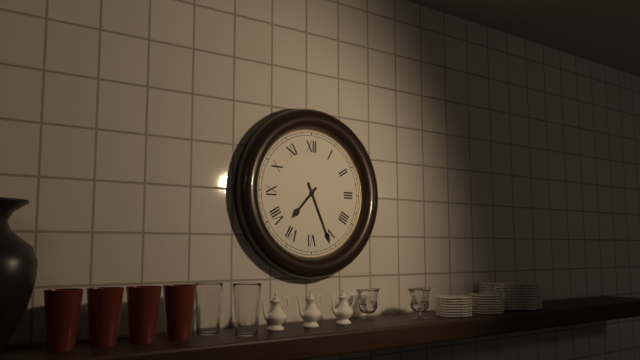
7:26
